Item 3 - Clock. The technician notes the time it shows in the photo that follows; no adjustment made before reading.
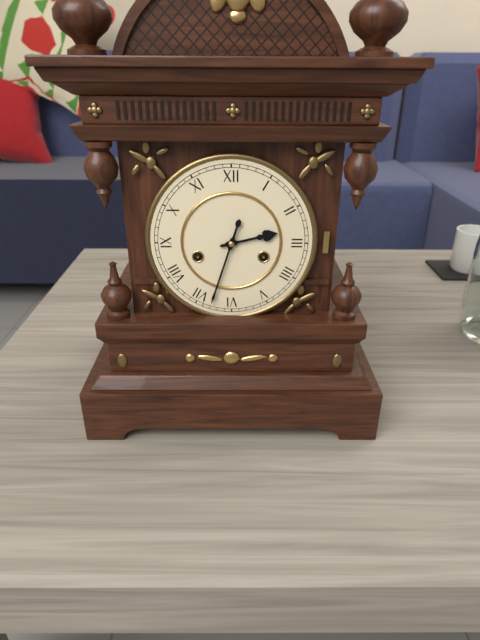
2:33
